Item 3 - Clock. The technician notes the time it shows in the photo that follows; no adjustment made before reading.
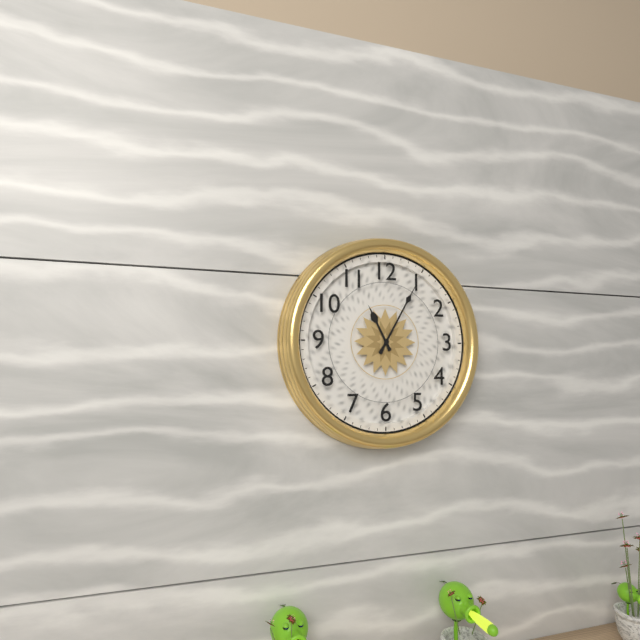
11:05
